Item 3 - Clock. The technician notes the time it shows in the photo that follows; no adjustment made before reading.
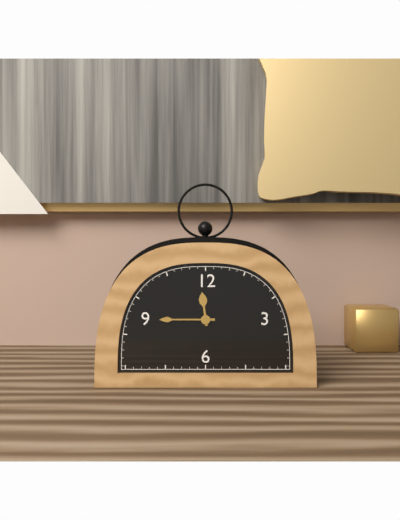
11:45
